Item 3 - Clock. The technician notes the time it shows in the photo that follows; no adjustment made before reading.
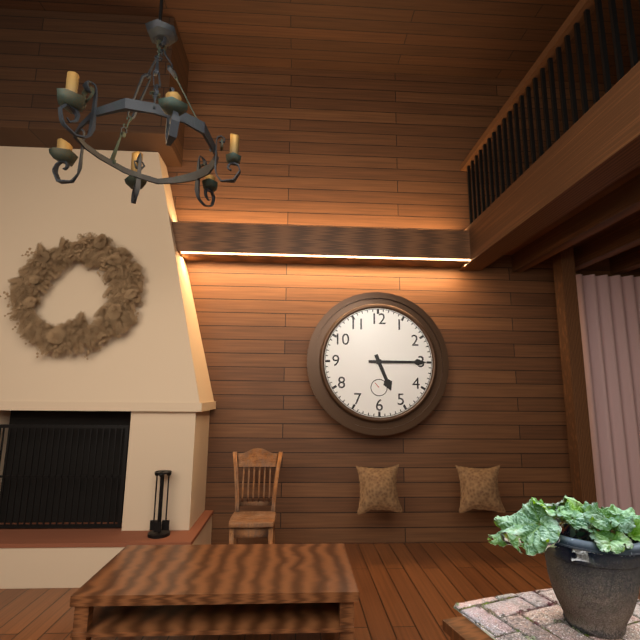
5:15
